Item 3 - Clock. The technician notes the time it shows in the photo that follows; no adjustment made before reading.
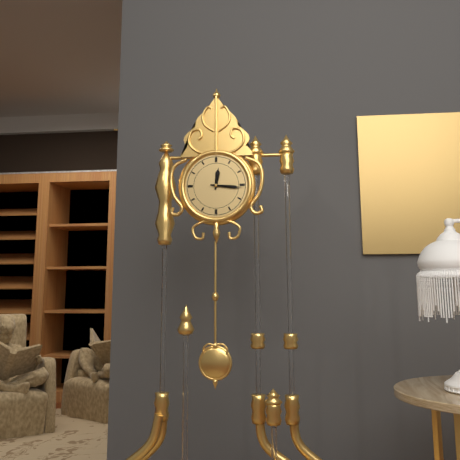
12:16
